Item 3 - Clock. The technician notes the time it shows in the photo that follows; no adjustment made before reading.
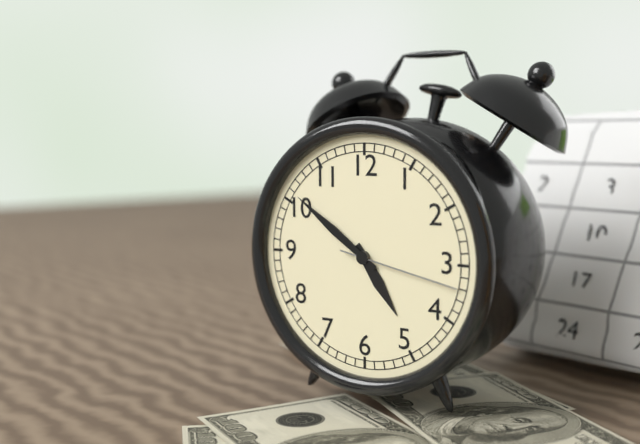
4:51:17
